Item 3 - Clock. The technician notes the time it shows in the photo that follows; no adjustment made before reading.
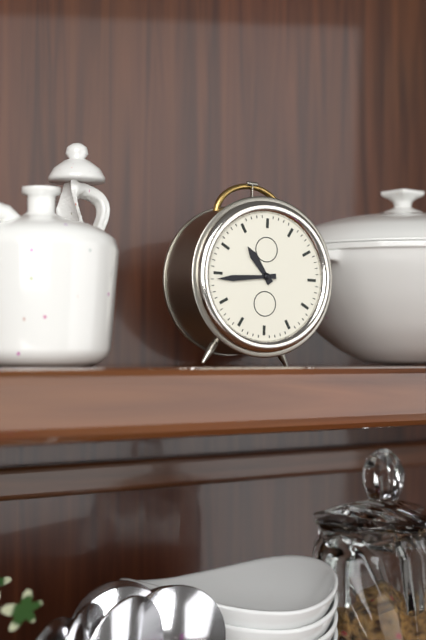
10:44
